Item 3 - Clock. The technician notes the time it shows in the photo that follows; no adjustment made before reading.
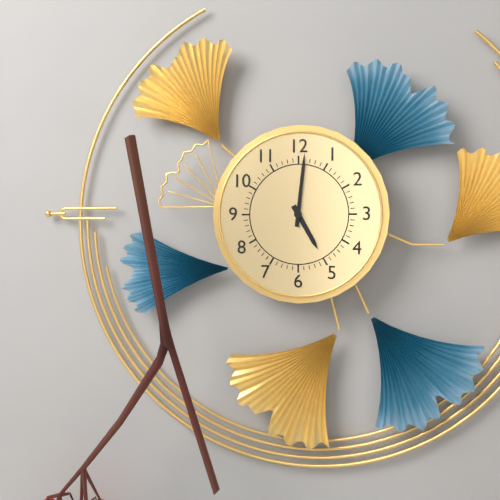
5:01
